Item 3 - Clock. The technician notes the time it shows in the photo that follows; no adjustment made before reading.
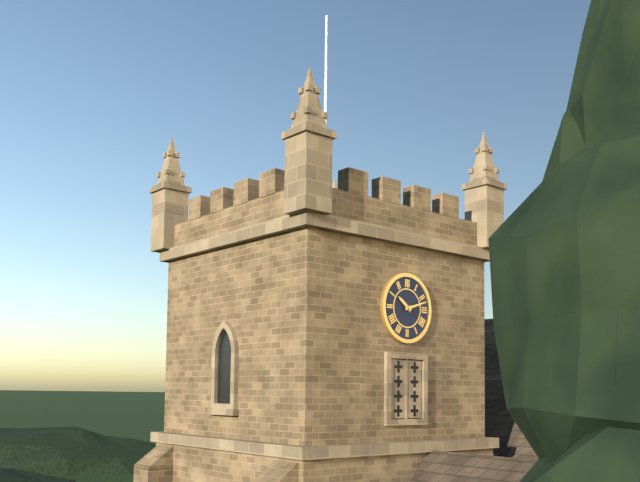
10:12
